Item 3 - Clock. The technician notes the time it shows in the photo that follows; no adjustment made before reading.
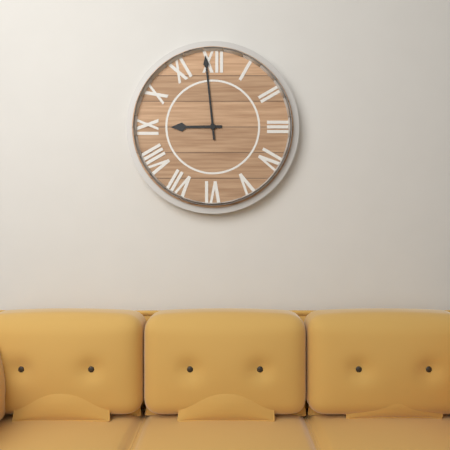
8:59
